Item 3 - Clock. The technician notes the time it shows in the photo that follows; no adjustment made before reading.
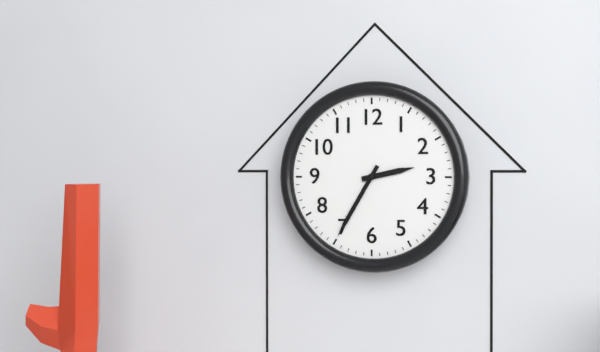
2:35
